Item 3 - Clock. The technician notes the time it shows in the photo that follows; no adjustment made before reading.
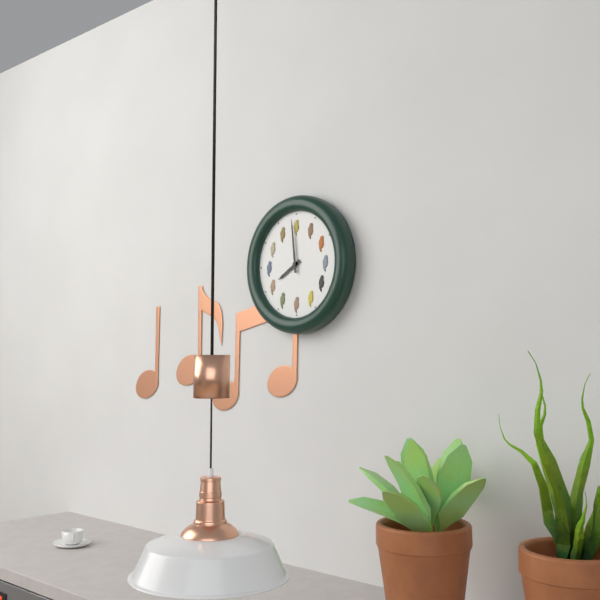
7:59
